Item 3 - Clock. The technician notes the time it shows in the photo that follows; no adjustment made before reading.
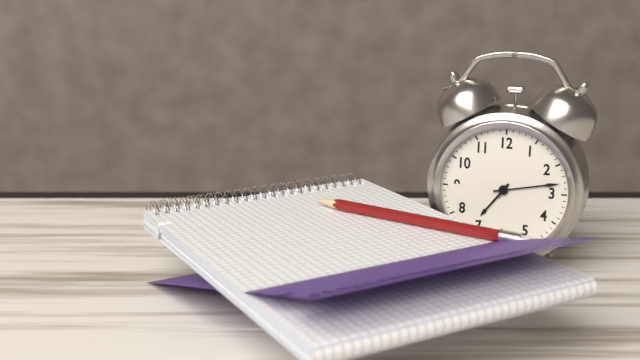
7:13
